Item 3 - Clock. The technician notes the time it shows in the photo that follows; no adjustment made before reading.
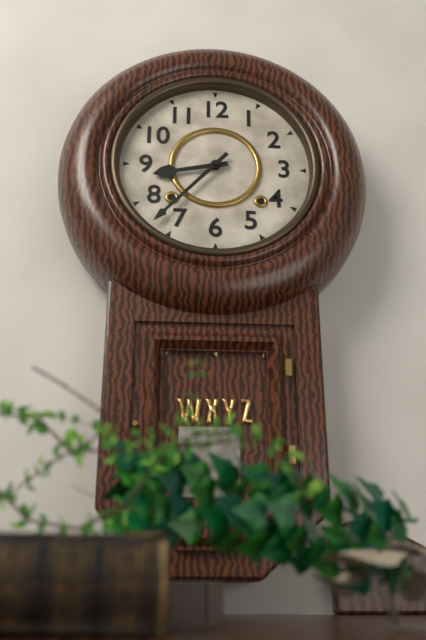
8:37
